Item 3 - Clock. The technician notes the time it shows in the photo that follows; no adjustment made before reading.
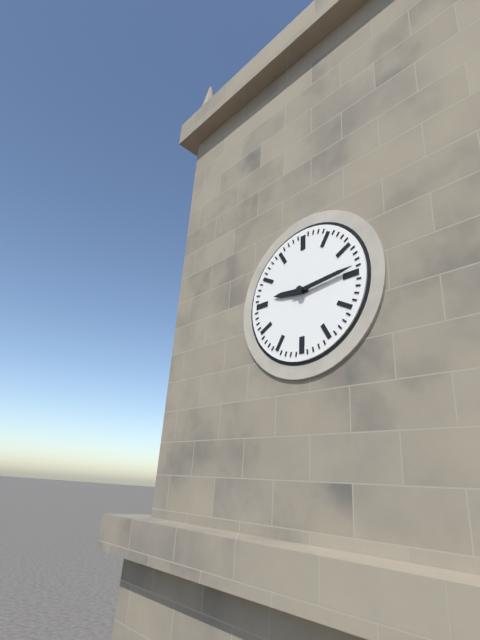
9:14
